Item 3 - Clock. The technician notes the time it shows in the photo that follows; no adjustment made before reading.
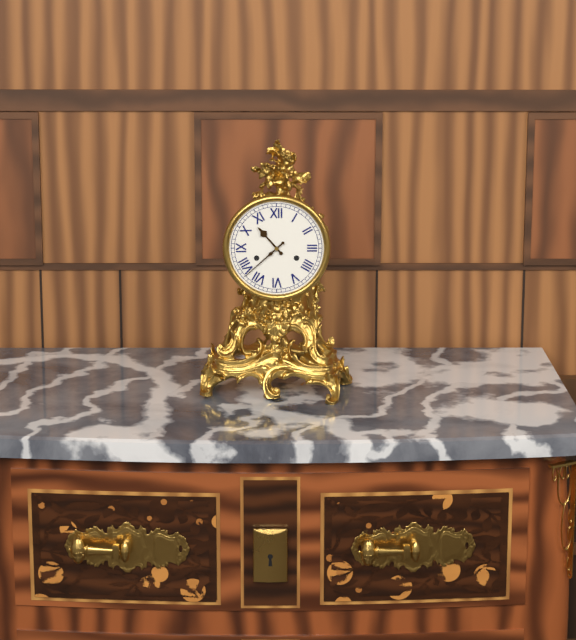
10:38
